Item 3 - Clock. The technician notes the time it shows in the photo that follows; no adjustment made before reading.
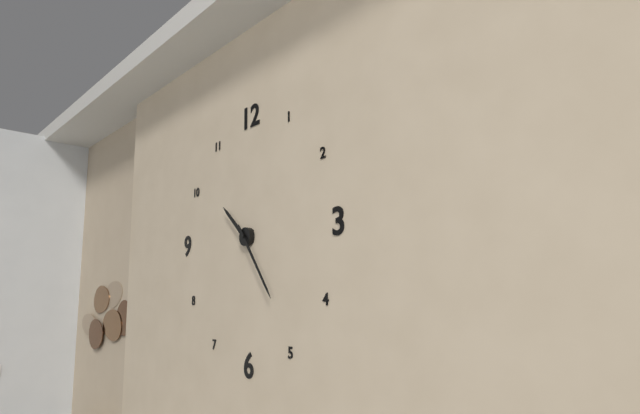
10:24
